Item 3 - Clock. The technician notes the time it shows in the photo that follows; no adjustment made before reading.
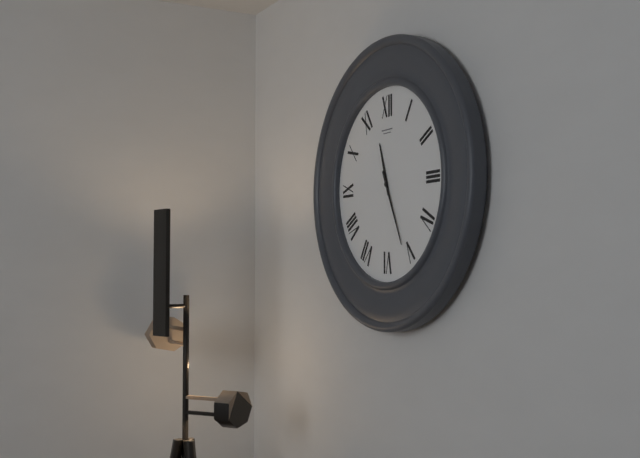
11:26
